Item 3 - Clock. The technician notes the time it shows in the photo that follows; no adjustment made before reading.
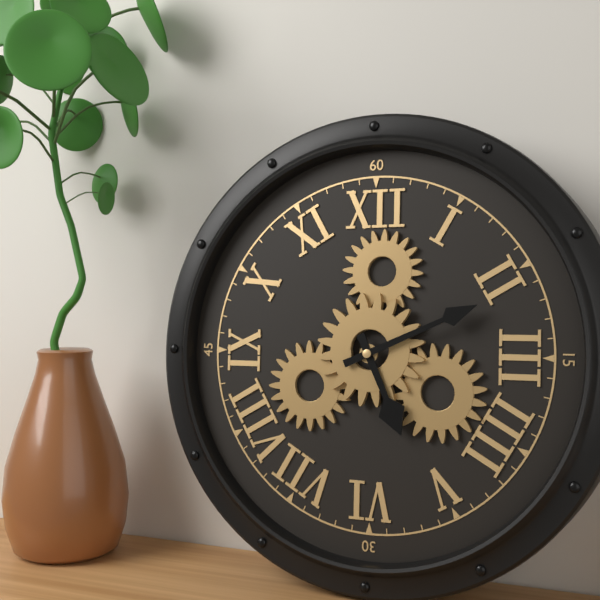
5:11
